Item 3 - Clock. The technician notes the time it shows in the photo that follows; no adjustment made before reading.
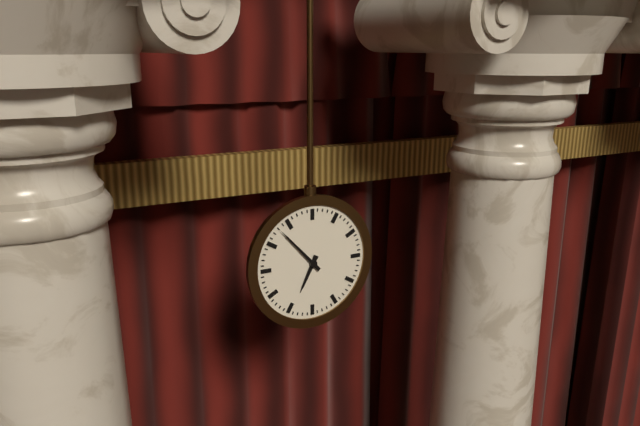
6:53
